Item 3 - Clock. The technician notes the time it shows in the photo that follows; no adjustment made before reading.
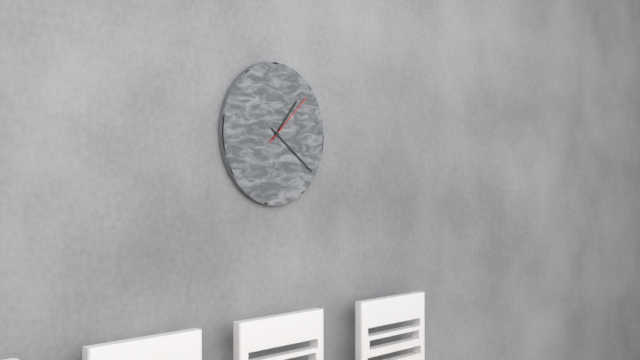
1:21:08
